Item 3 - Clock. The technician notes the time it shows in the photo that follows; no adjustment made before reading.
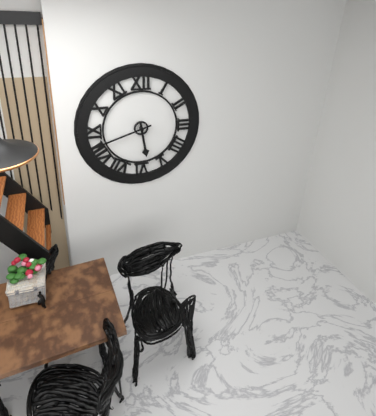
5:42
